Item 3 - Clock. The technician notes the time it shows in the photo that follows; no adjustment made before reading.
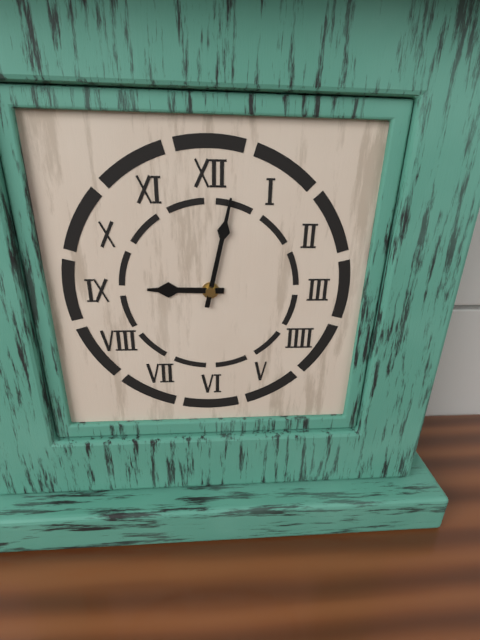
9:02
